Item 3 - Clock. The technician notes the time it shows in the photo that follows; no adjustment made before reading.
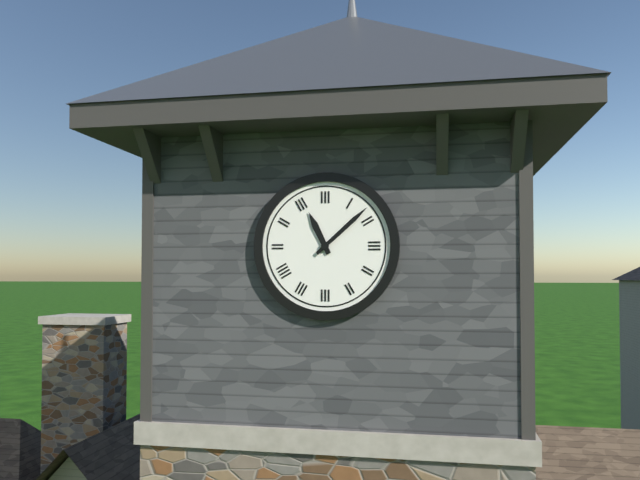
11:08
